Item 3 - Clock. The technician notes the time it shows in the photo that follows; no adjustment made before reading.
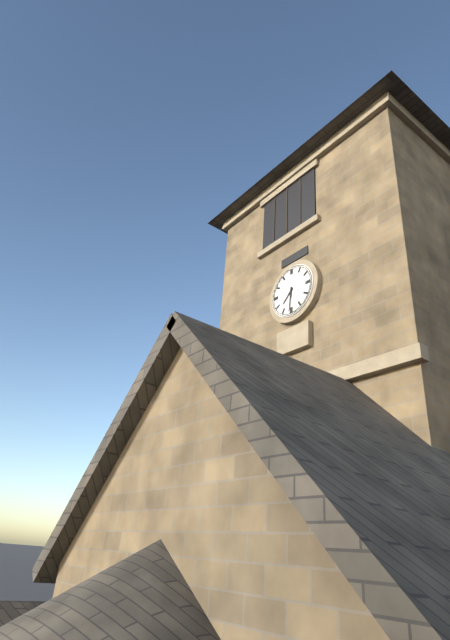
7:31
